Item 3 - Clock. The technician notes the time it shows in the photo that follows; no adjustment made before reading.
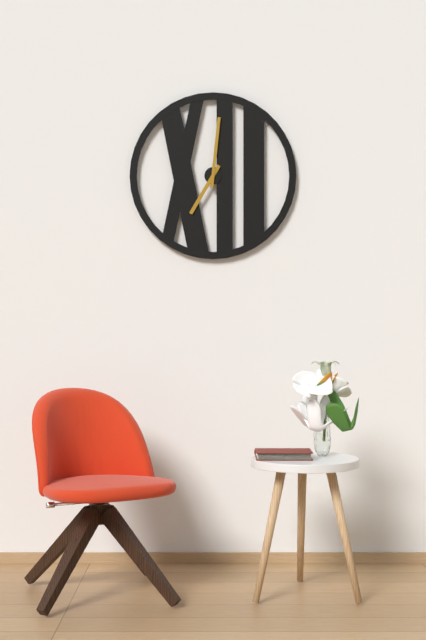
7:01
